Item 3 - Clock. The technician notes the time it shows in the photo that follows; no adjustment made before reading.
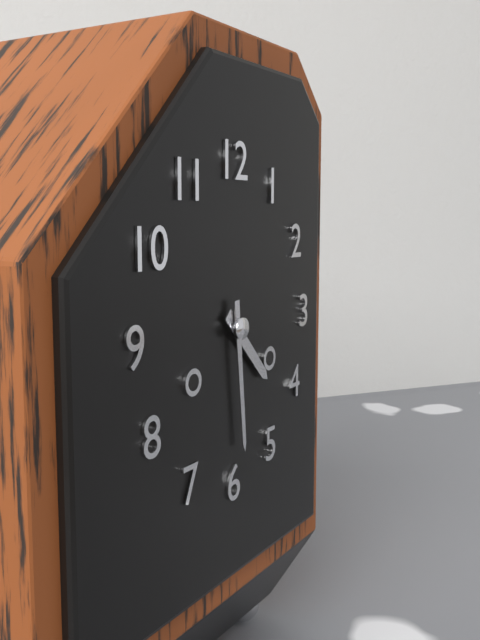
4:29
